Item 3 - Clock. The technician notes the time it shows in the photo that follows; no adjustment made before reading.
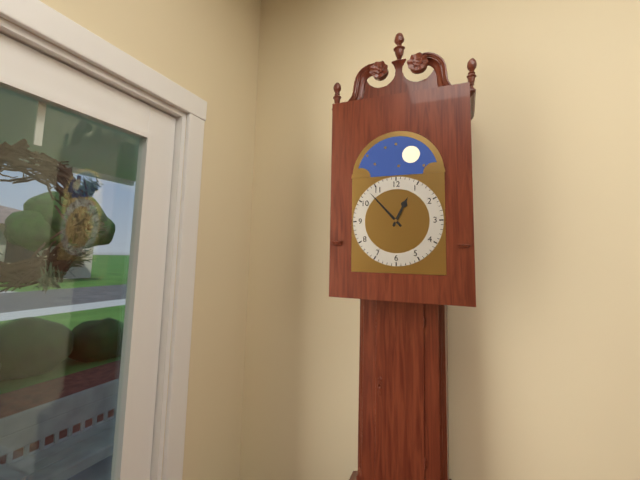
12:53
